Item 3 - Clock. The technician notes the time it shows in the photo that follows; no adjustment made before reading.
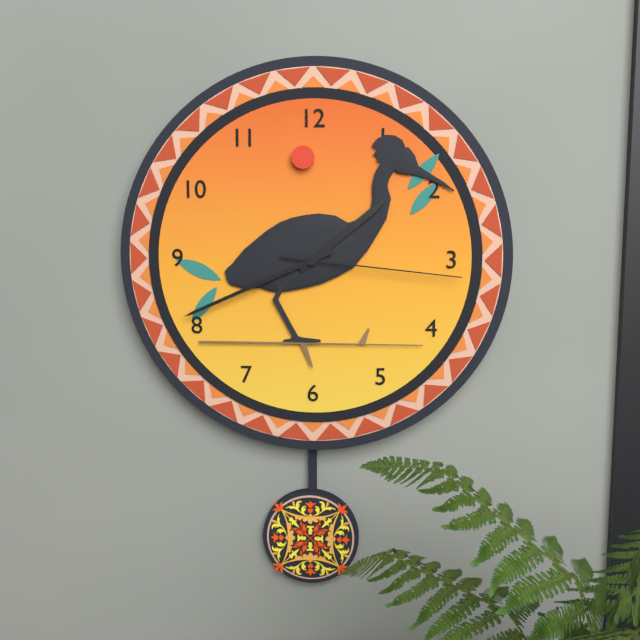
1:41:16
